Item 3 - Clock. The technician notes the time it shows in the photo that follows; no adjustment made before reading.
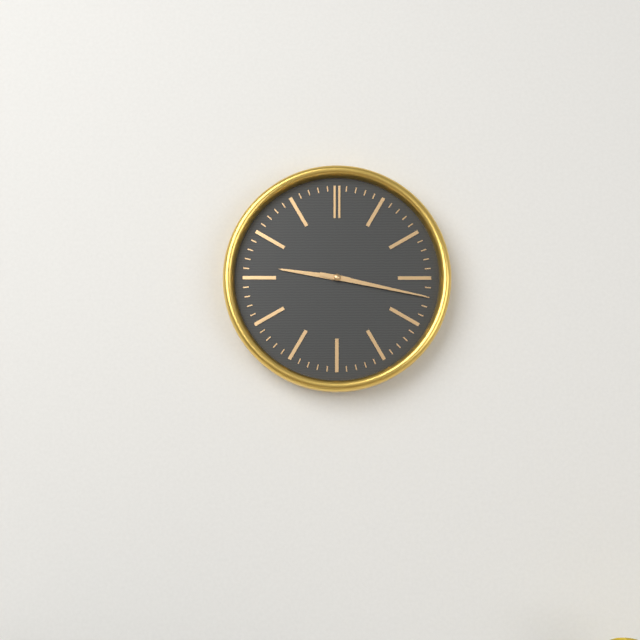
9:17
